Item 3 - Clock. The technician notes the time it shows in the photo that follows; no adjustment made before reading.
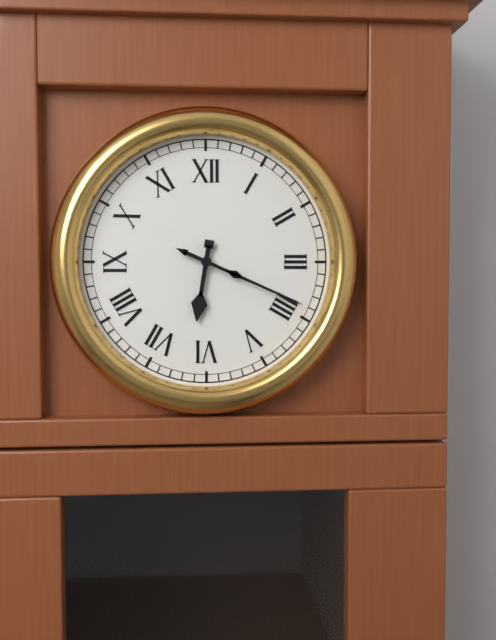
6:19
